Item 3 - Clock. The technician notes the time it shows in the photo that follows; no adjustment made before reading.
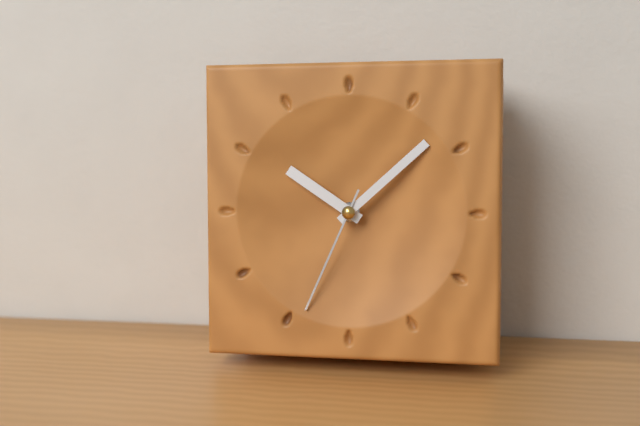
10:08:34
